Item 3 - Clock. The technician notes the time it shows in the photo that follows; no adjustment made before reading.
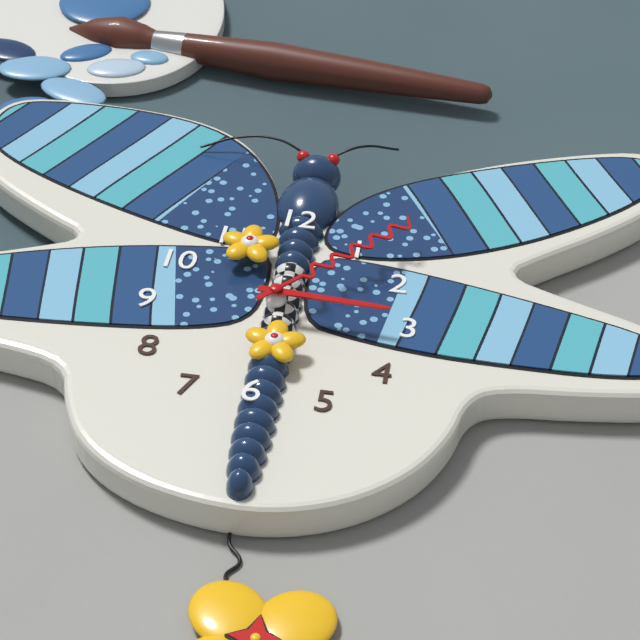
3:07
